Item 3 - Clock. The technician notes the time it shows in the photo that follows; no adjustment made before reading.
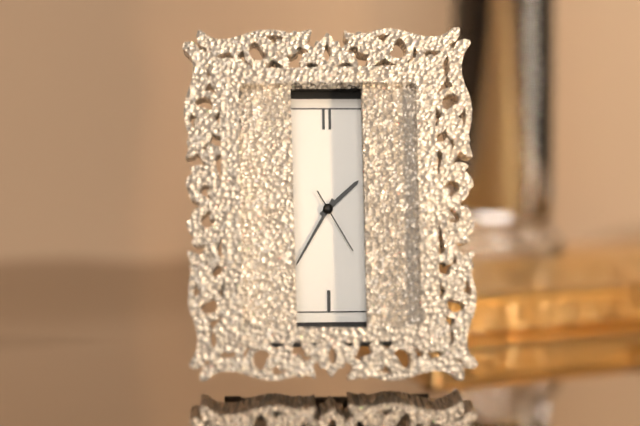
1:35:25
